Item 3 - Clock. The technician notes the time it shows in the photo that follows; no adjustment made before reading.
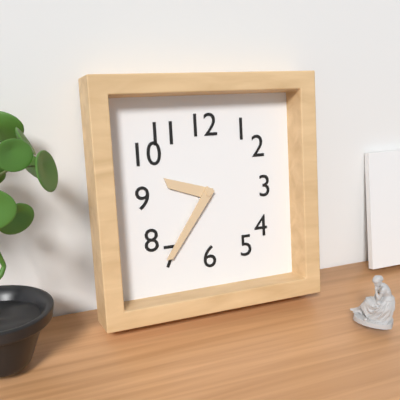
9:36
